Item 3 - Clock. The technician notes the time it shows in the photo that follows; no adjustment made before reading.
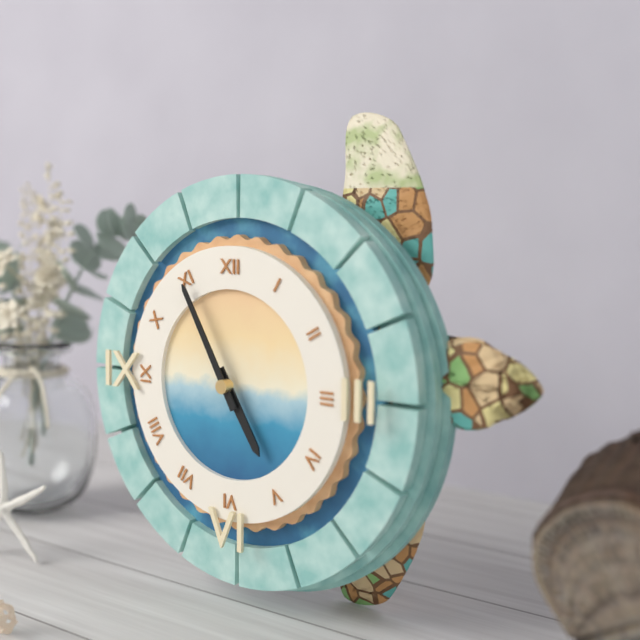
4:55
